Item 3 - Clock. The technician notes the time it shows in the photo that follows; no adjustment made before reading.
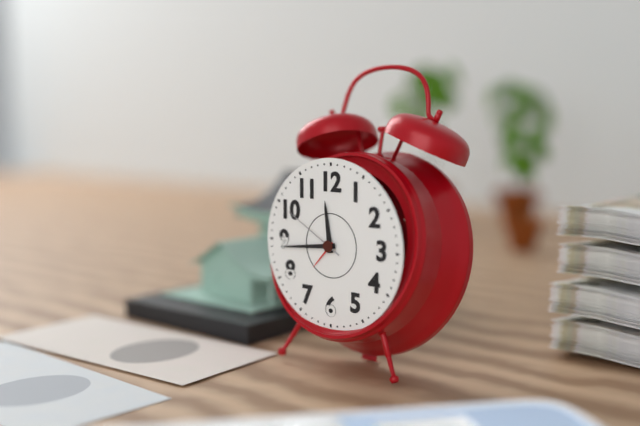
11:44:50
